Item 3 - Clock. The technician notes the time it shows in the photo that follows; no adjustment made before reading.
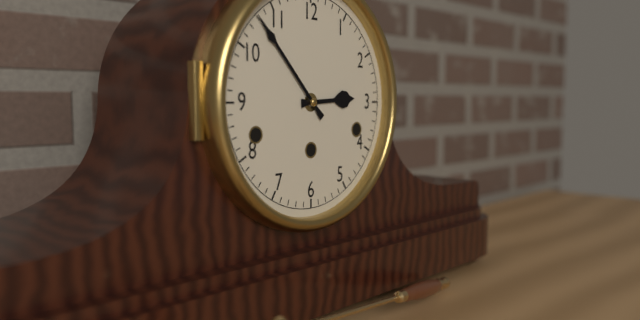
2:53
